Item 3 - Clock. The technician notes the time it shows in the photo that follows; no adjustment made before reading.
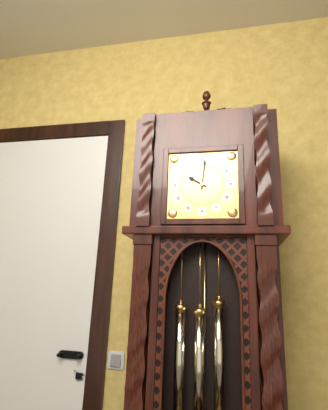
10:01
